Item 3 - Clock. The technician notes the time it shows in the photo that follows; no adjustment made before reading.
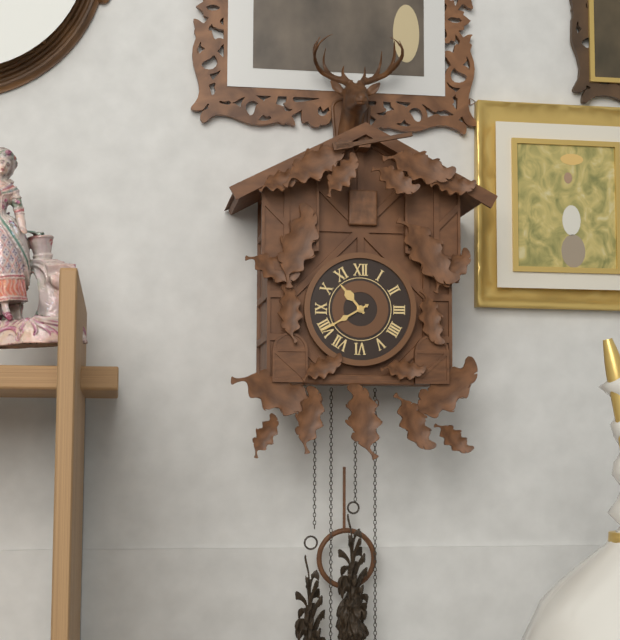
10:40
